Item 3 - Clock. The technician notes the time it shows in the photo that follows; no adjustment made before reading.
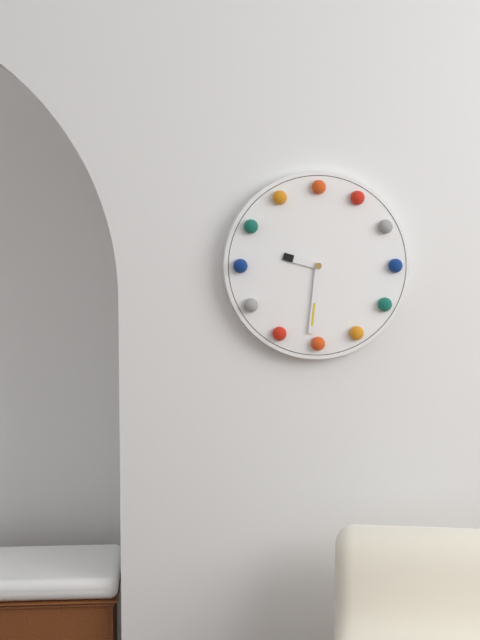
9:31
